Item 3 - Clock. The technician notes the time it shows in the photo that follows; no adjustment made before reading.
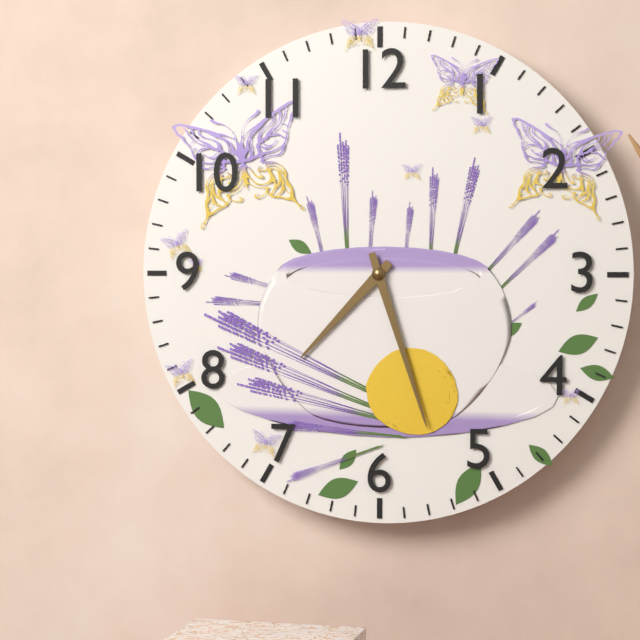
7:27
